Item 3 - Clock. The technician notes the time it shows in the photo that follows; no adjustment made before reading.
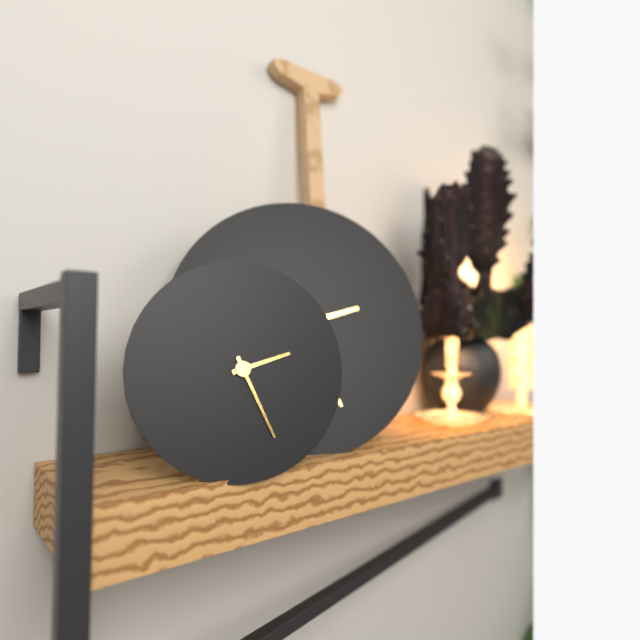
2:26
